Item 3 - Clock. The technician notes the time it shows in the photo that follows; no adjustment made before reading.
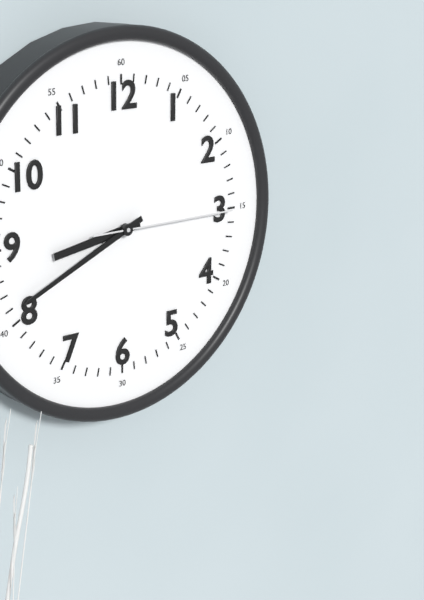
8:41:15
